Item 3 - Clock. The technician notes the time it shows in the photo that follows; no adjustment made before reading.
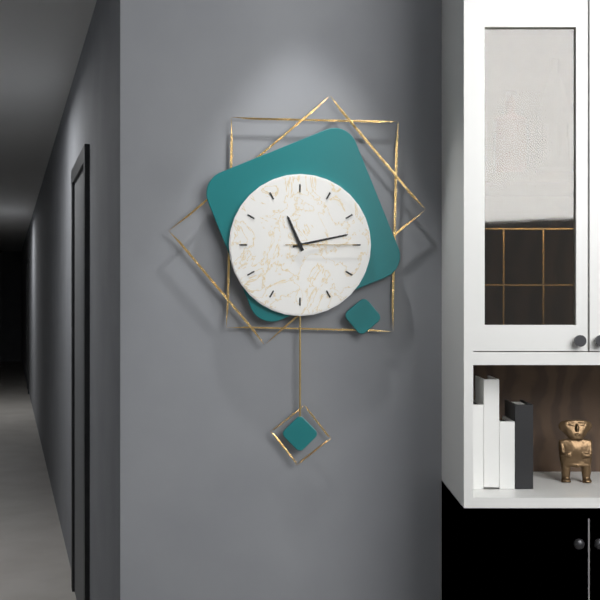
11:13:15
